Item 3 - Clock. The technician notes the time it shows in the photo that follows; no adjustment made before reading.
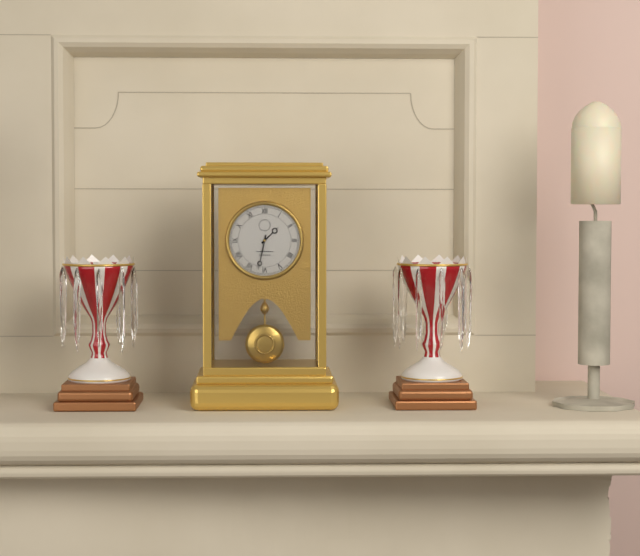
1:32
